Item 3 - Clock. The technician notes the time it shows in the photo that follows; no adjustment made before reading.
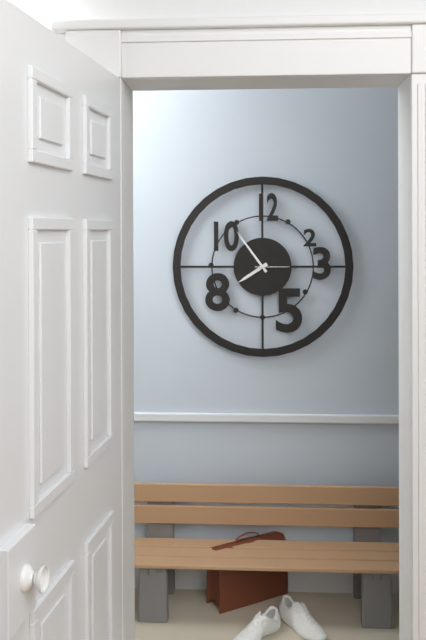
7:54
